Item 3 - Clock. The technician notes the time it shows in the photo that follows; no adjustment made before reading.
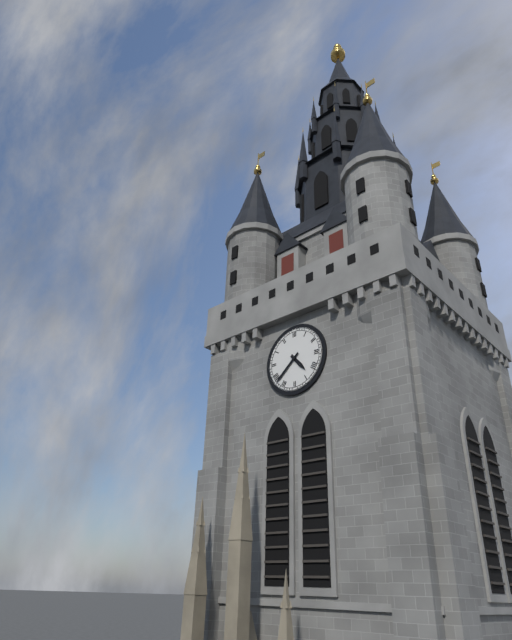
4:38
